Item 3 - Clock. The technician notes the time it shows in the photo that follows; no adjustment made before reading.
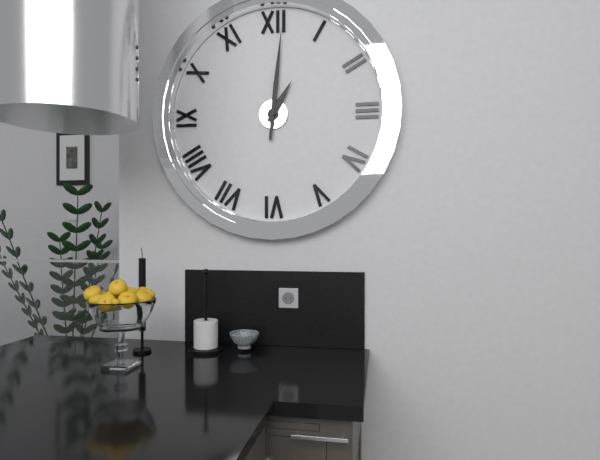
1:01
